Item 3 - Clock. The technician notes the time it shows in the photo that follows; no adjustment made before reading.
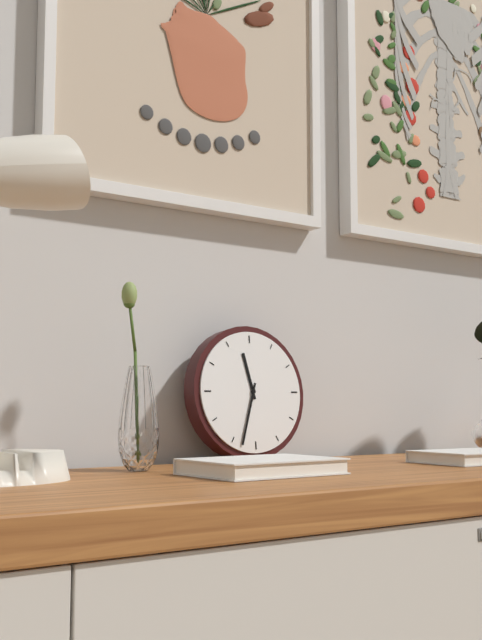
11:33
